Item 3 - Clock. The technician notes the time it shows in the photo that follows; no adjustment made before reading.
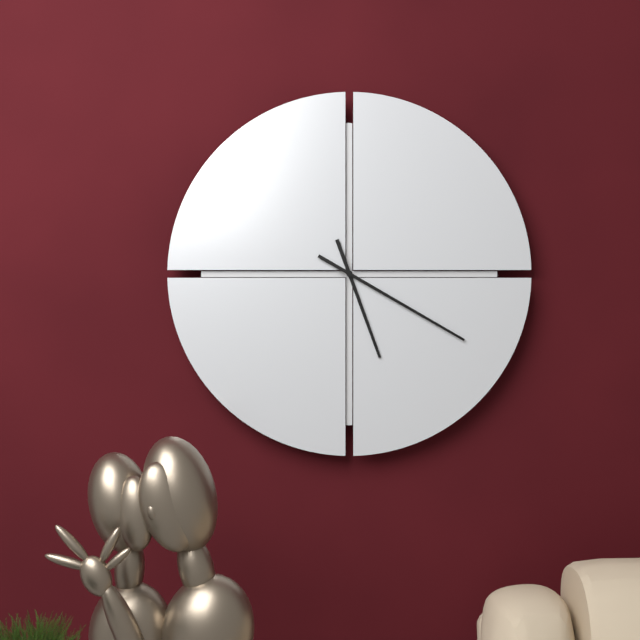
5:20
